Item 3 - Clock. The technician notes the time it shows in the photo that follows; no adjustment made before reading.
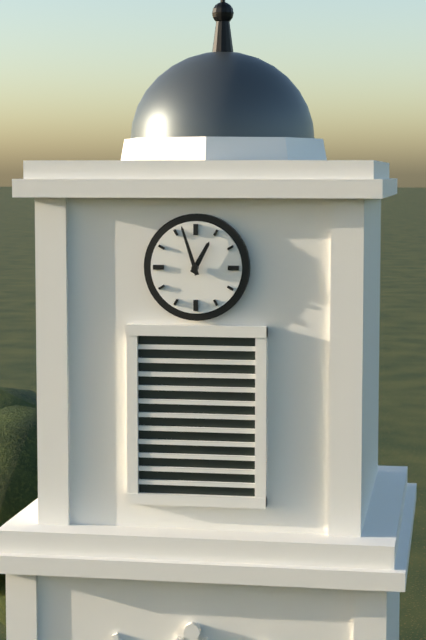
12:57
